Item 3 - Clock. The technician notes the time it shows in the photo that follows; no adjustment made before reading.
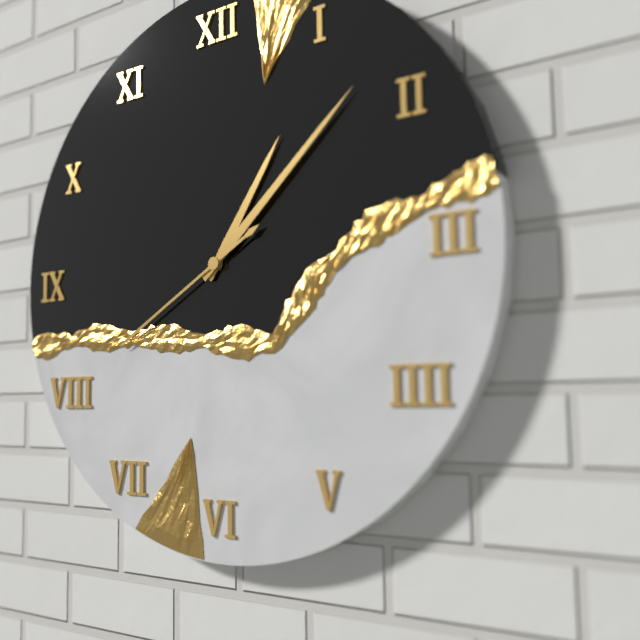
1:08:40
